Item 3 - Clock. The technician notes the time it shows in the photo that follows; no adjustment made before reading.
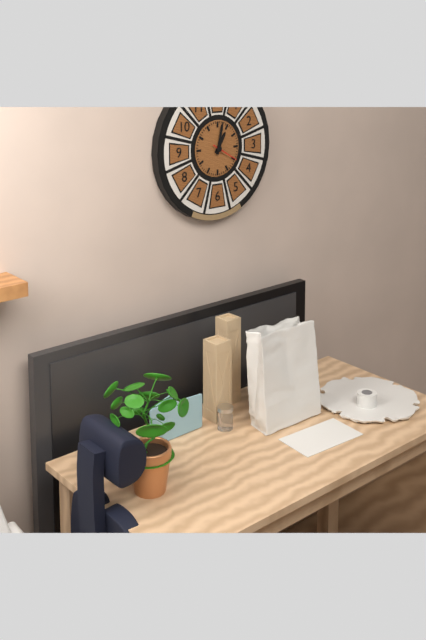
1:02
